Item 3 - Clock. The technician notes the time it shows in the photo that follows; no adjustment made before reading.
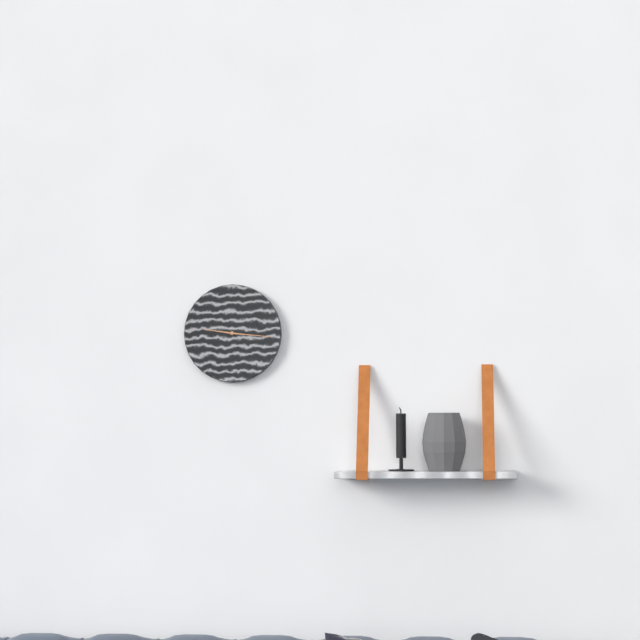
9:16
